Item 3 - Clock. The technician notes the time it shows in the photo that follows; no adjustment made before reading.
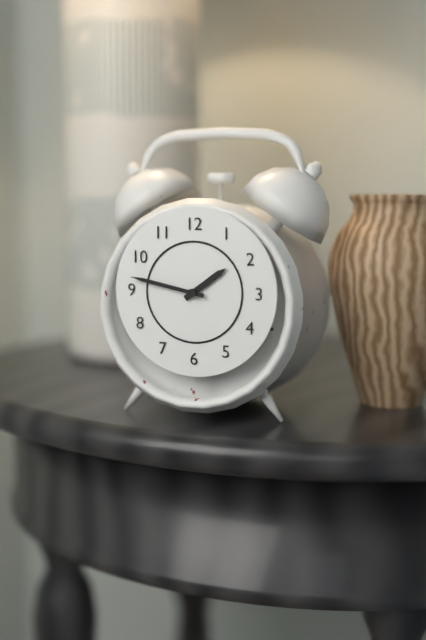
1:47
